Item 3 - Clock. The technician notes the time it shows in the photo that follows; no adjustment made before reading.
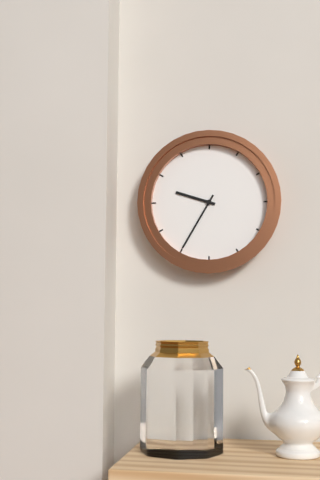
9:35
